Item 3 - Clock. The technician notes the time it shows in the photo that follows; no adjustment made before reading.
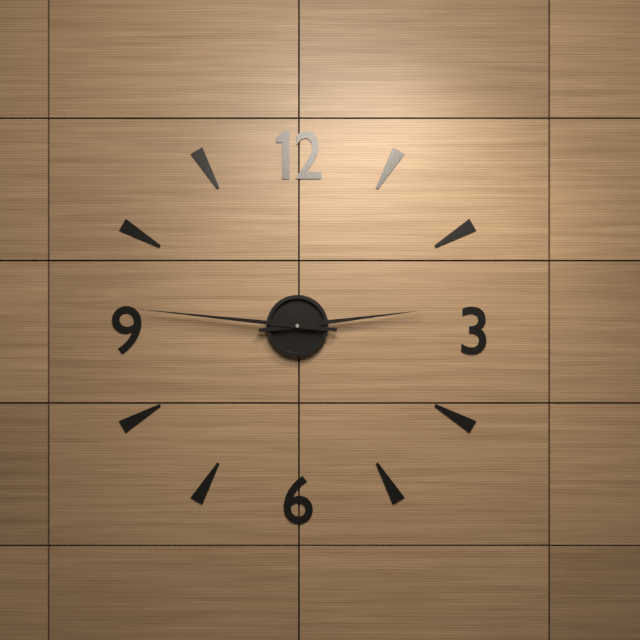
2:46
